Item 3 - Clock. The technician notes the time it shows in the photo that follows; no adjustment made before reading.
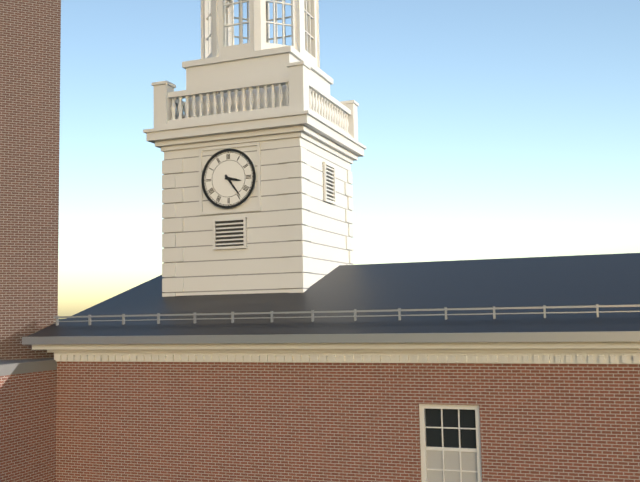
3:24
